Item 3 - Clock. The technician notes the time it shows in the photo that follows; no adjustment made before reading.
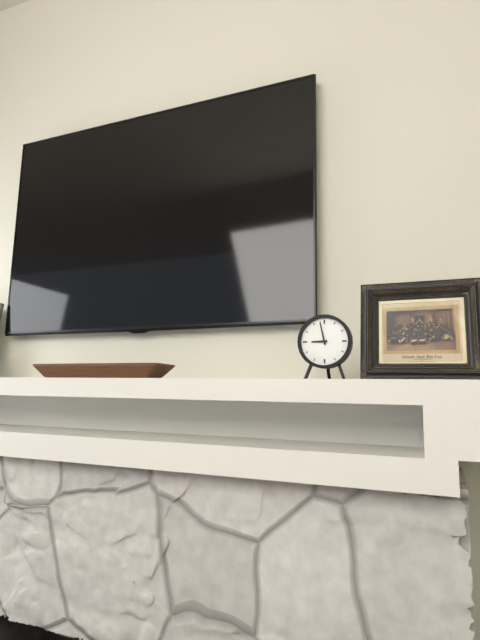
8:58
